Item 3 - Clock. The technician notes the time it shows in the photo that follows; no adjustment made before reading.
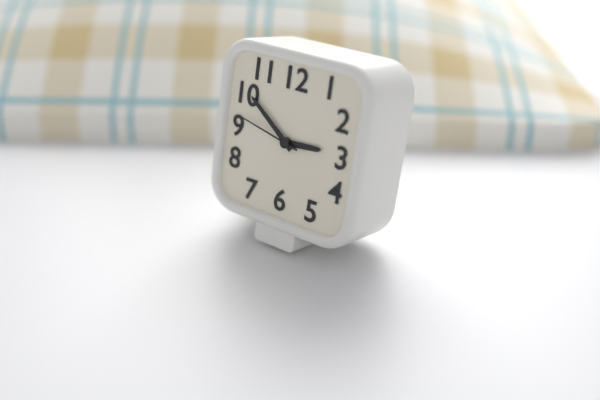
2:51:47
